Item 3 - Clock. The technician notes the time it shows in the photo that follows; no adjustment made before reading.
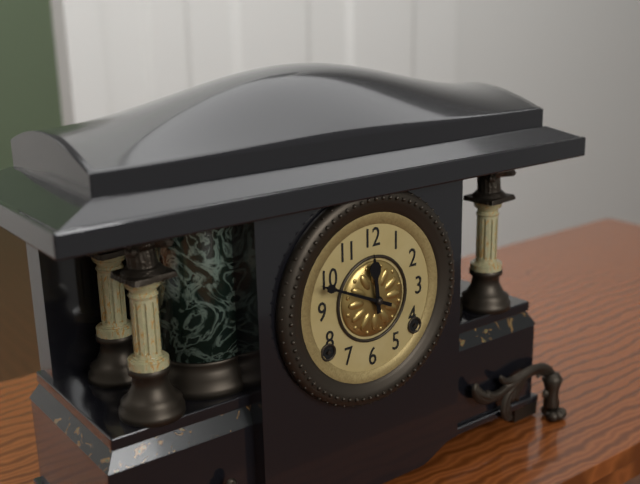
11:49
